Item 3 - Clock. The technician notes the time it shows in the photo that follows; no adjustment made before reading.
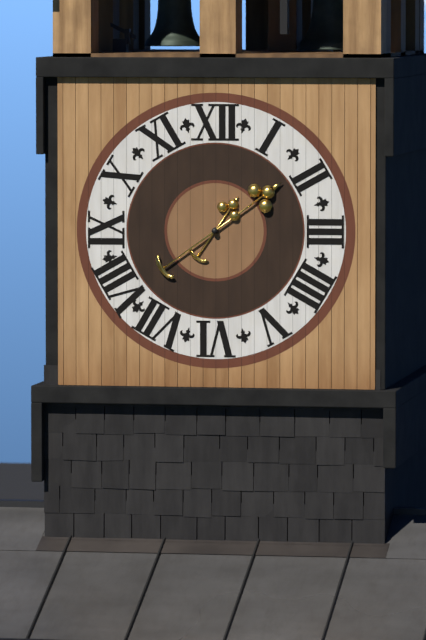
1:09
